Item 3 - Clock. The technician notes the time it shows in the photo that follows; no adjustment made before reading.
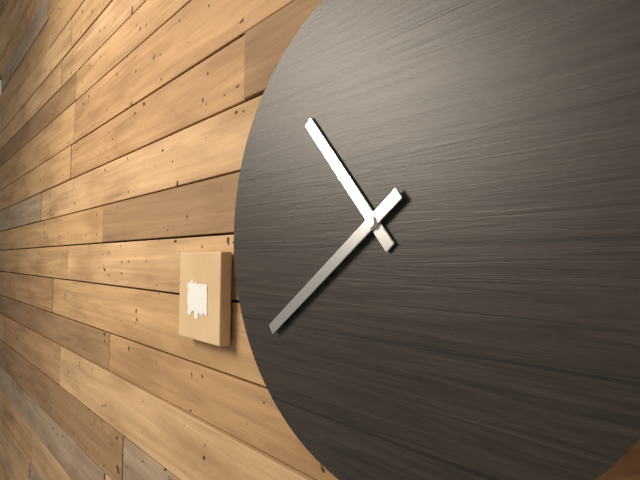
10:39
